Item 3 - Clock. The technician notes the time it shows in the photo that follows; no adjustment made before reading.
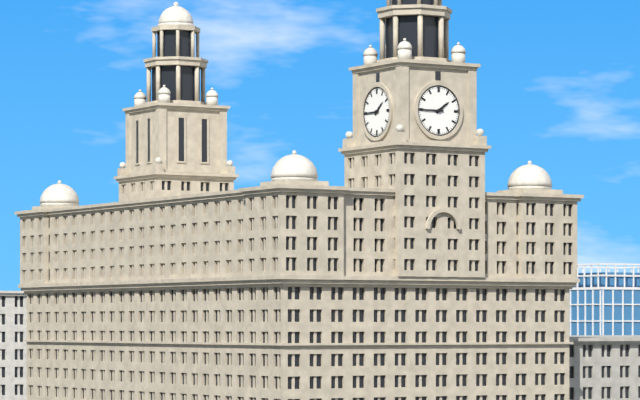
1:45
